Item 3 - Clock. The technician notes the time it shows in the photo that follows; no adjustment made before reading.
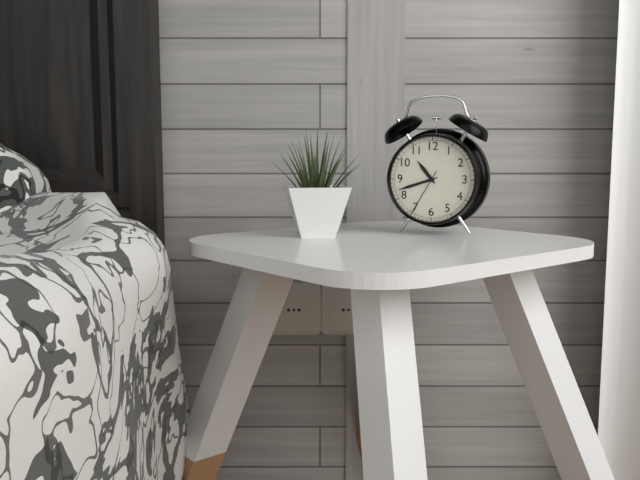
10:42
